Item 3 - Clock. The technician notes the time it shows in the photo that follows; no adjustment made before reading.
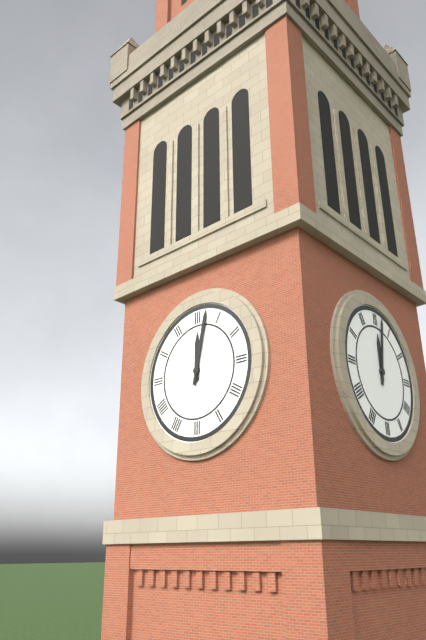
12:02
